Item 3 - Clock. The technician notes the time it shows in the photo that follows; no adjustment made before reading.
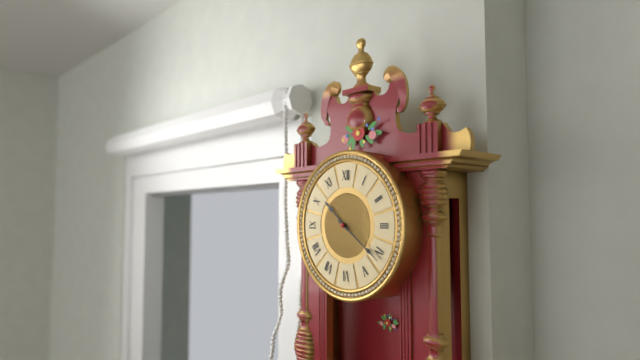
10:21
